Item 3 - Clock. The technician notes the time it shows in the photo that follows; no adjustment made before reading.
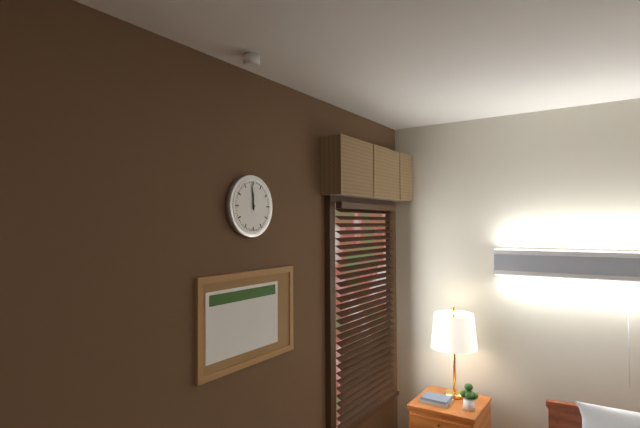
11:59
